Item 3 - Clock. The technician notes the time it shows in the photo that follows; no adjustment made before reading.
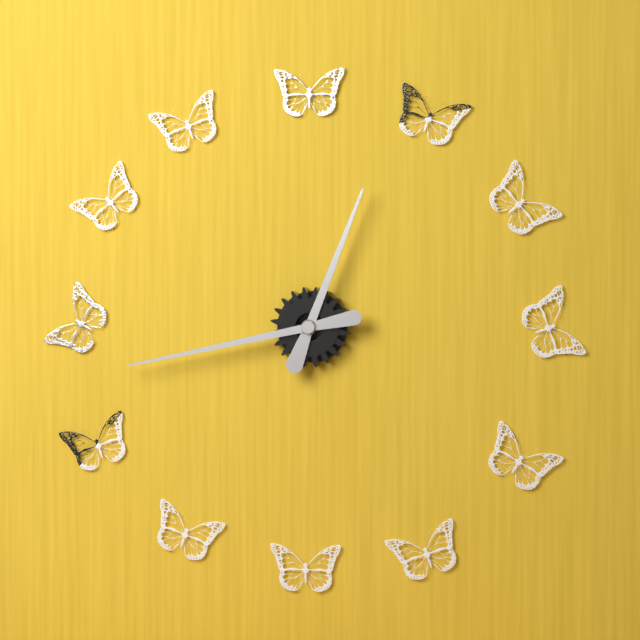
12:43
